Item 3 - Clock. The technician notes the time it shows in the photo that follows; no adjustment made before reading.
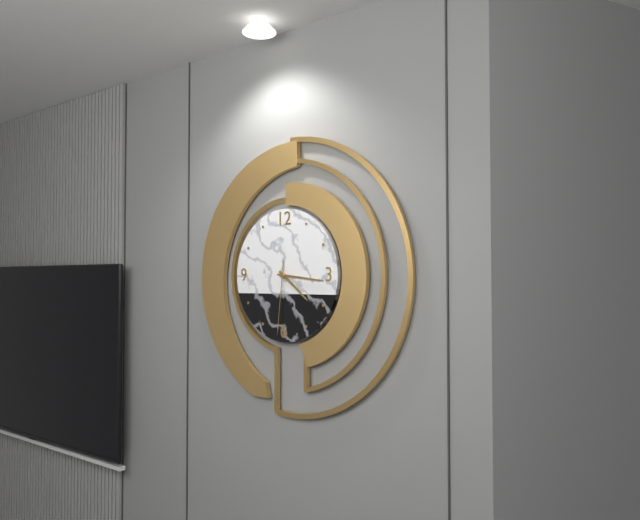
4:16:31
